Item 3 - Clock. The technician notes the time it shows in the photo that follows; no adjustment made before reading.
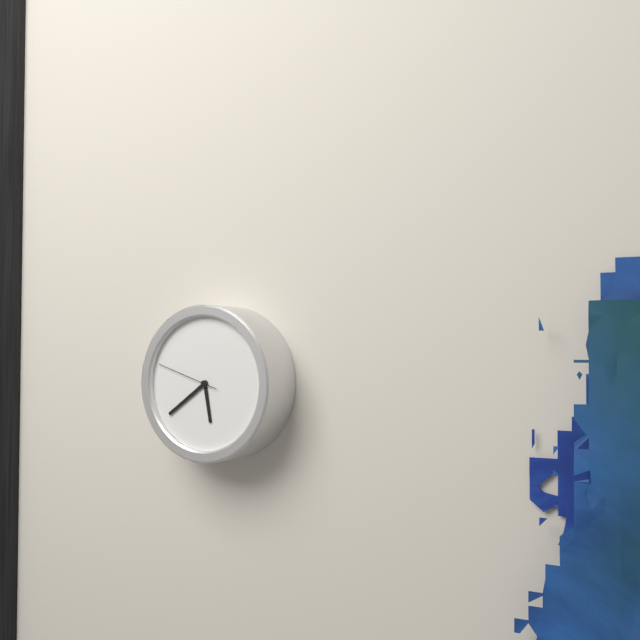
5:39:48
